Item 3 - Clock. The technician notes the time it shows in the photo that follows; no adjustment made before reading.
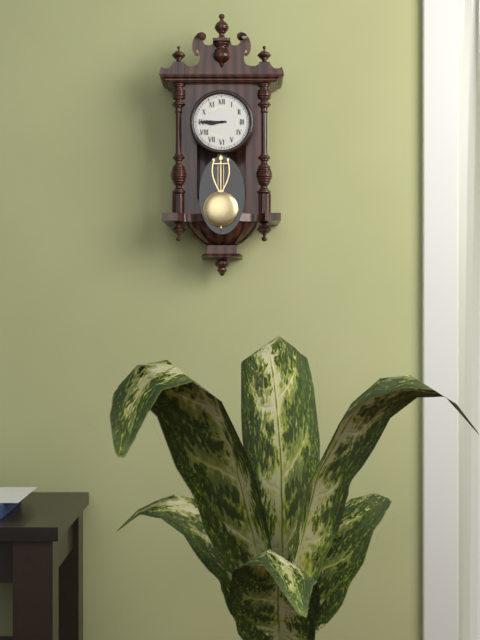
8:45
